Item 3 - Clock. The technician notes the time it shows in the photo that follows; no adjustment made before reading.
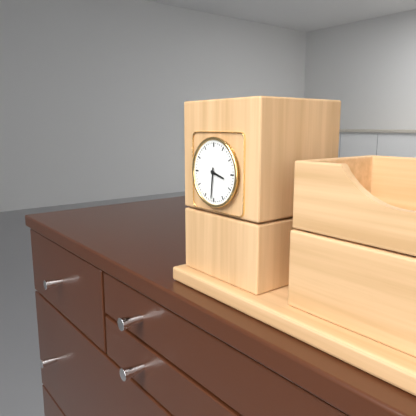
3:31
